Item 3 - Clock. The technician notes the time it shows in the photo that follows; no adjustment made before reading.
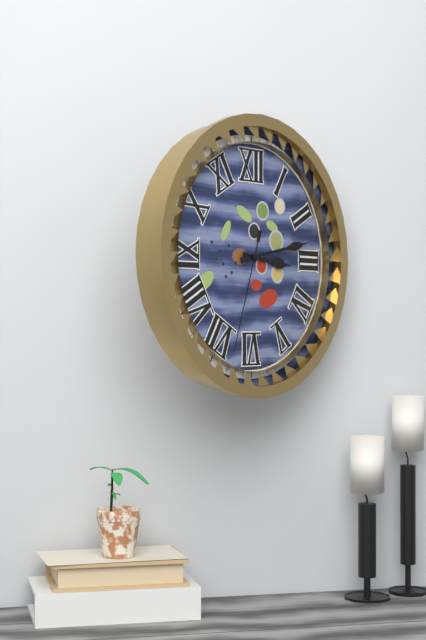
3:13:33
